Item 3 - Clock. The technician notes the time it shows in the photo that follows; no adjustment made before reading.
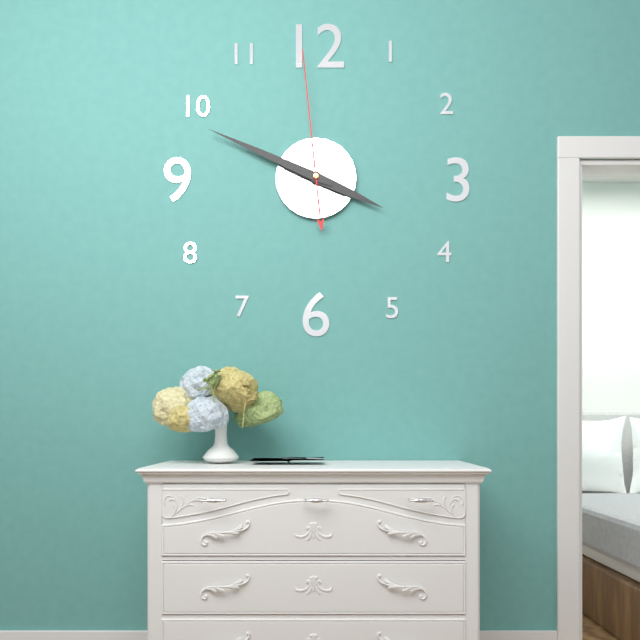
3:49:59
